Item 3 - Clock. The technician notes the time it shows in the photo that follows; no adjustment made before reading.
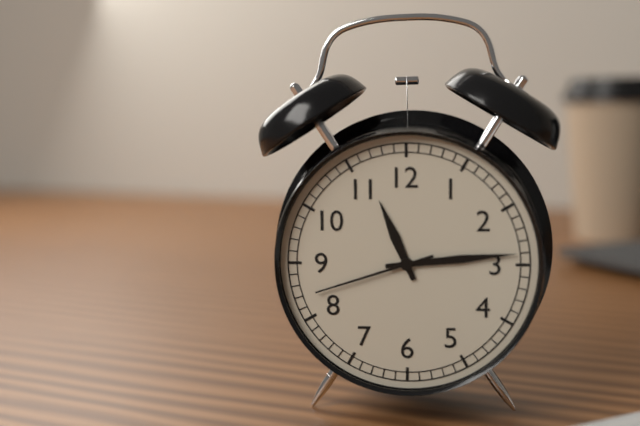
11:14:42
